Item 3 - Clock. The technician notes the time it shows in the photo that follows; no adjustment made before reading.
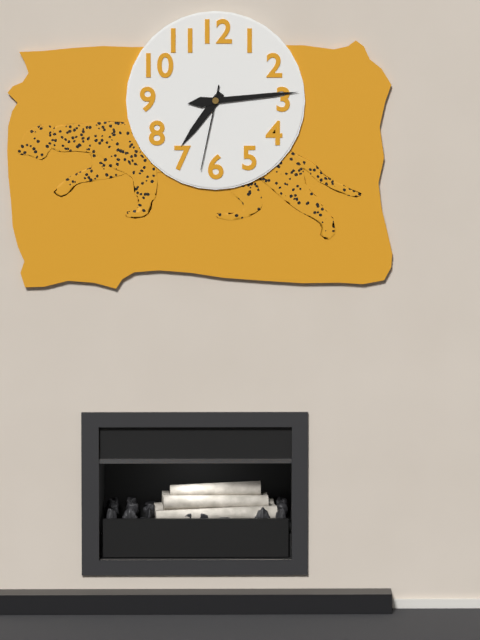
7:14:32
